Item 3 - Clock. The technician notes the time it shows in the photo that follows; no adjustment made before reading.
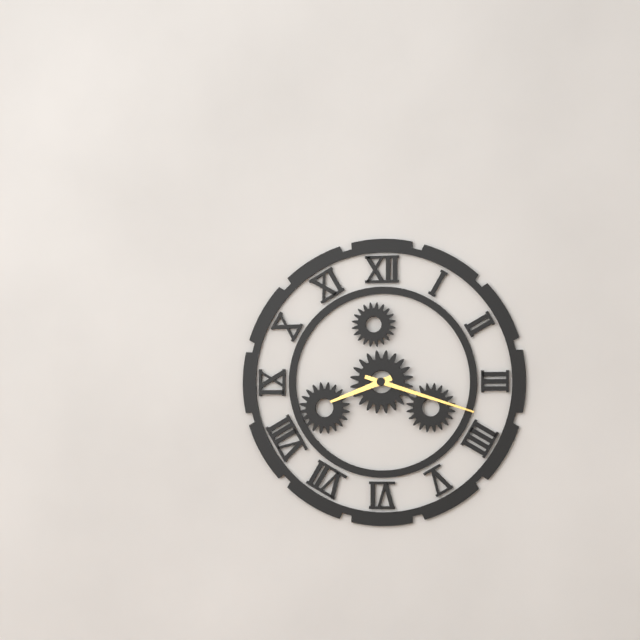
8:18
